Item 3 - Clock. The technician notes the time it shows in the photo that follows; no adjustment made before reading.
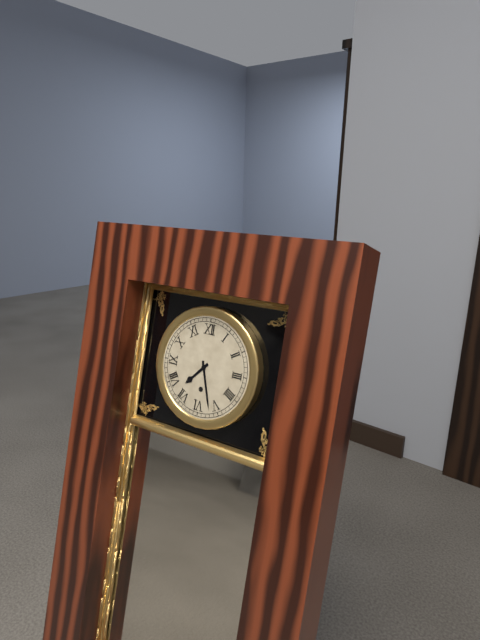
7:27
